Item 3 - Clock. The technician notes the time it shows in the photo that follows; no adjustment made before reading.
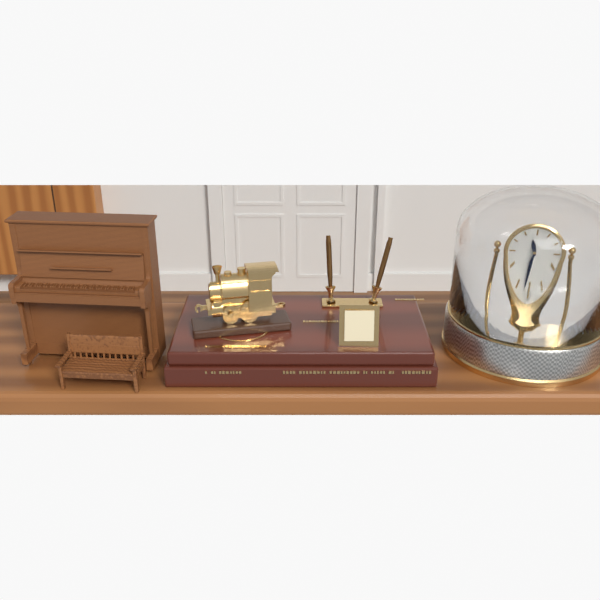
11:32
